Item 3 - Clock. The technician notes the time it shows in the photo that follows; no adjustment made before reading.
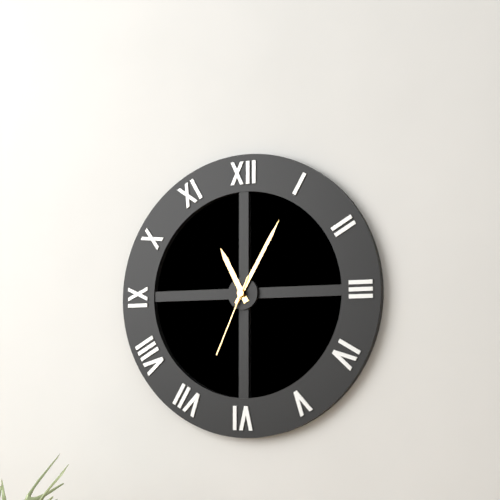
11:05:34
